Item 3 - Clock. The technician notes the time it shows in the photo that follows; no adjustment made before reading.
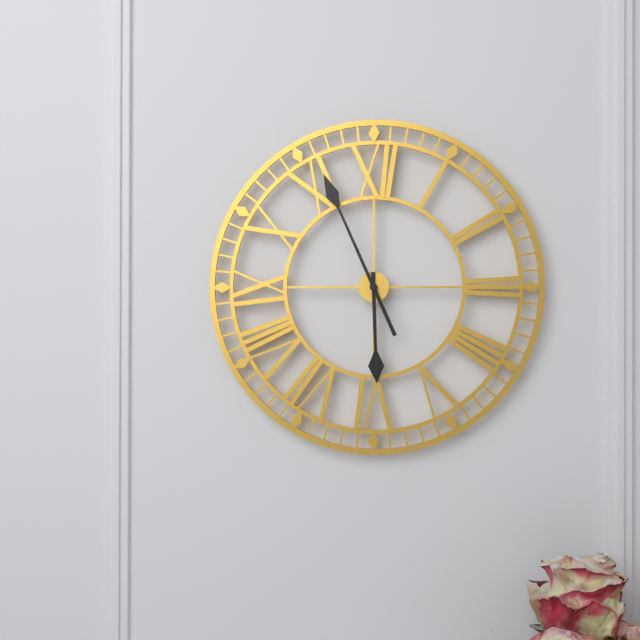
5:56
